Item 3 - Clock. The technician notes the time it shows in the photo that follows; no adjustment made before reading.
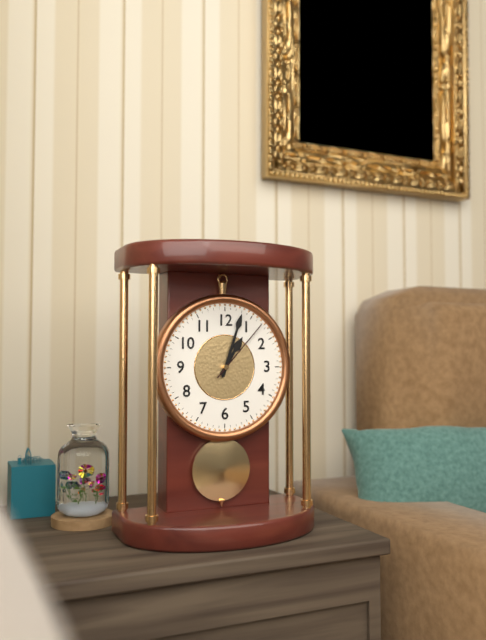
1:03:07
